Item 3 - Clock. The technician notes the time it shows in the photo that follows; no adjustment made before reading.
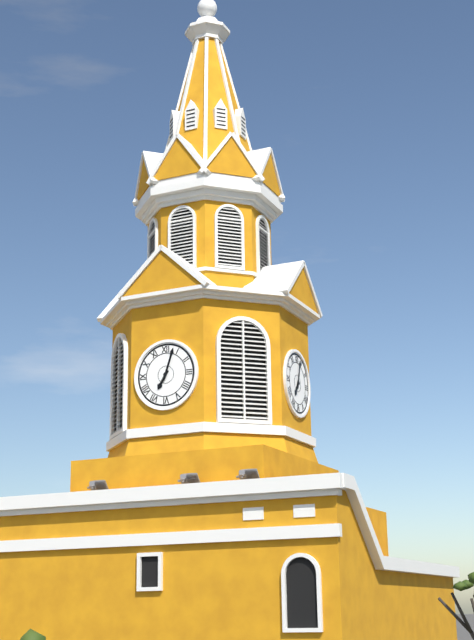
7:03
